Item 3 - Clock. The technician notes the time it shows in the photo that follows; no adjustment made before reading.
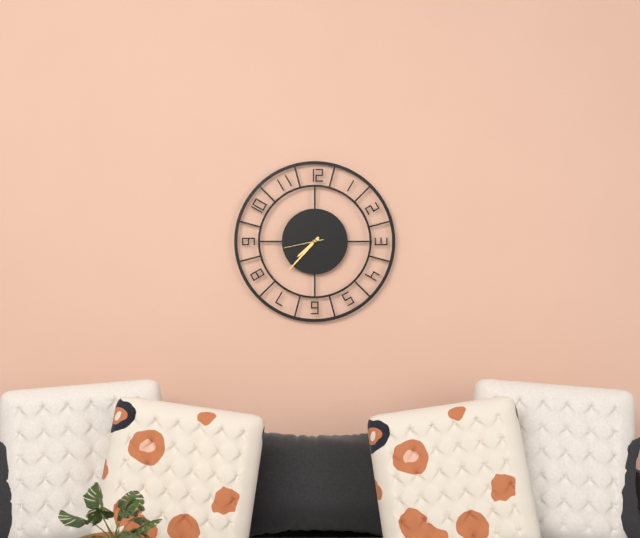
7:37
